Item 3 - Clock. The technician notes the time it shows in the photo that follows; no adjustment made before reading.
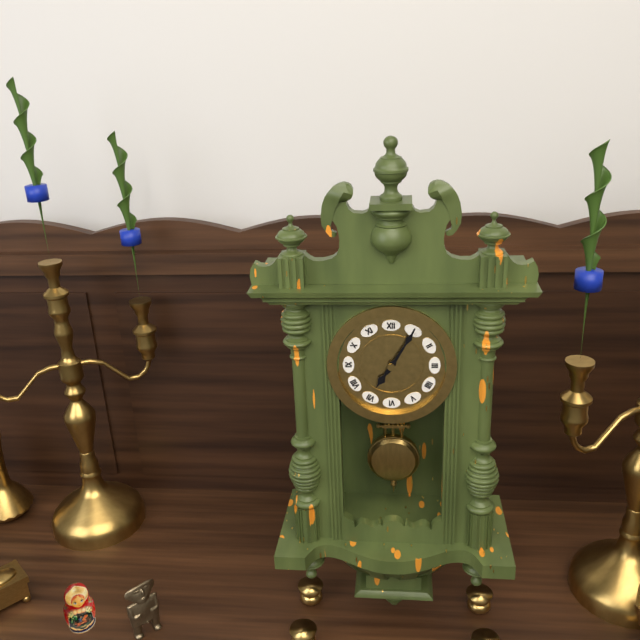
7:05
